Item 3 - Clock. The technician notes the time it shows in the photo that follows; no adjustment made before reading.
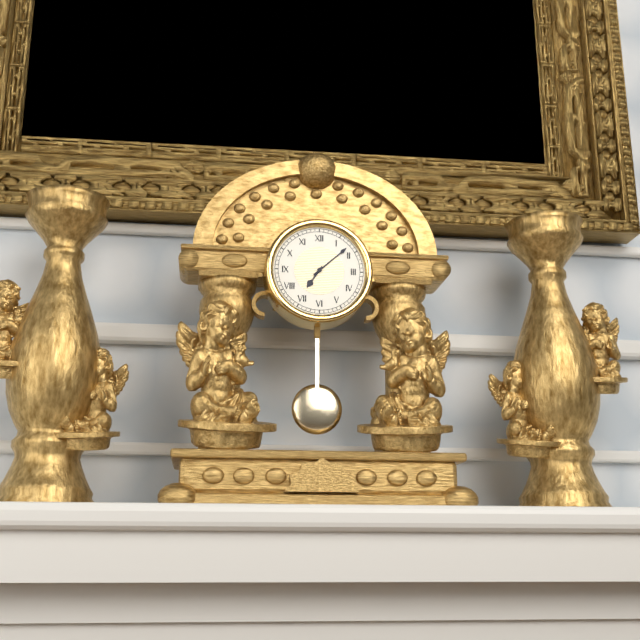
7:08
